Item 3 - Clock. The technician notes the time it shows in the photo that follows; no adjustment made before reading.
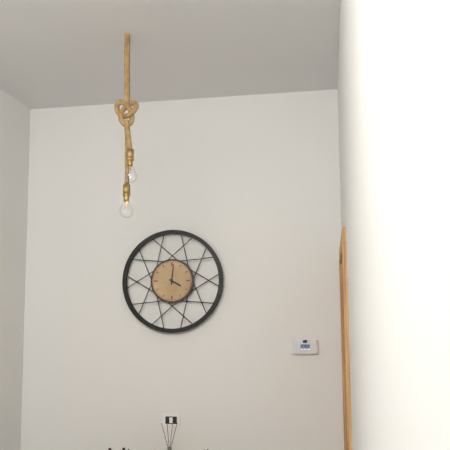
4:01
